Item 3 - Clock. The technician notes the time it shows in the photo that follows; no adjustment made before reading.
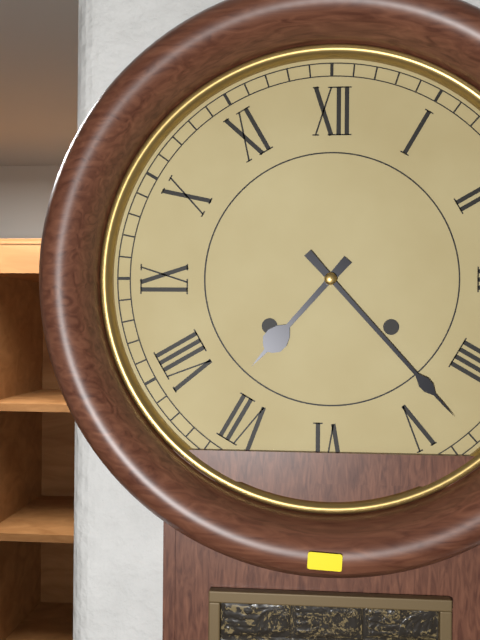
7:23
